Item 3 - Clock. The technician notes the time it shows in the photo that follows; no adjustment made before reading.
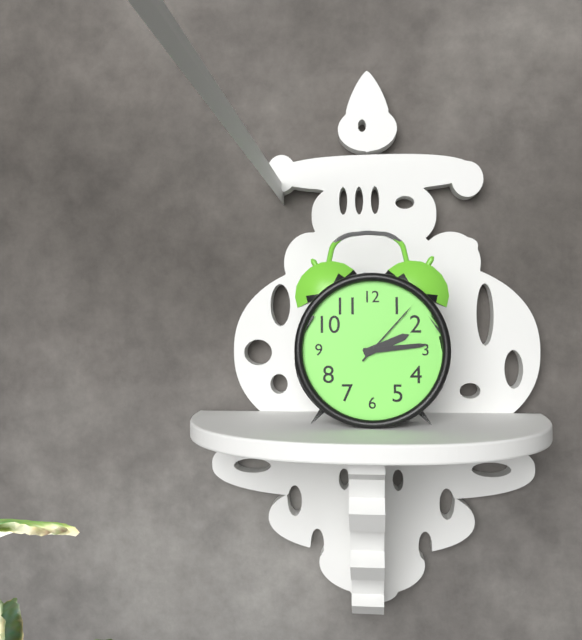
2:14:07
